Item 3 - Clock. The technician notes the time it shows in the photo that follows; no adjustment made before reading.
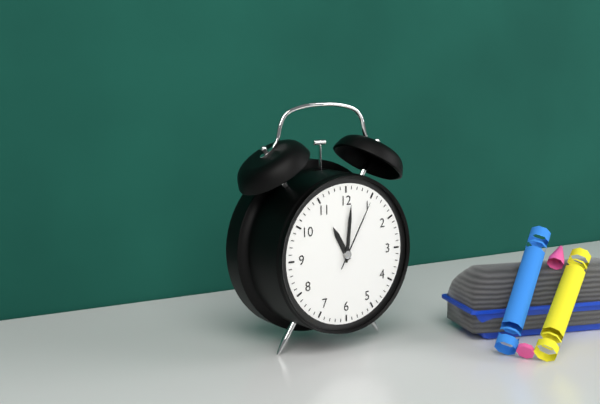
11:01:05
